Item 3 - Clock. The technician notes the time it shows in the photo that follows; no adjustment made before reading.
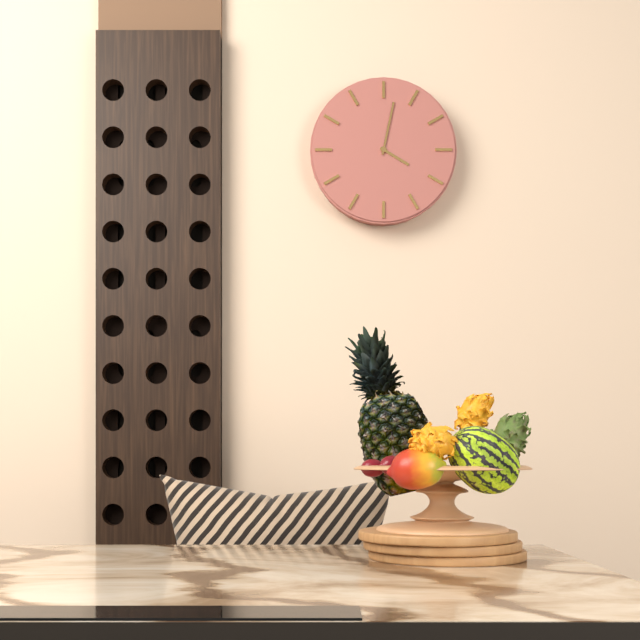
4:02
